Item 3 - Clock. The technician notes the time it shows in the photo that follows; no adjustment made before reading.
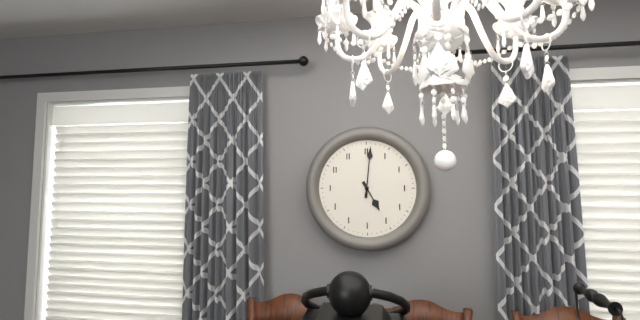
5:01
